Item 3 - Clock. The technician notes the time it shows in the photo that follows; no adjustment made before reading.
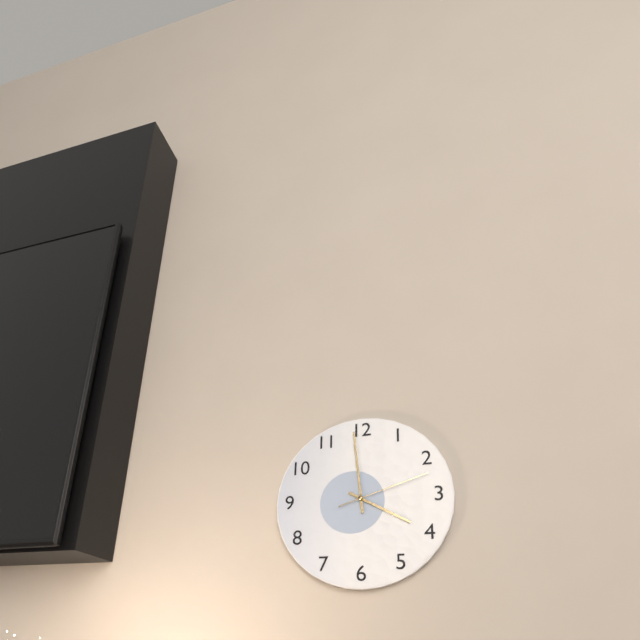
3:59:12
